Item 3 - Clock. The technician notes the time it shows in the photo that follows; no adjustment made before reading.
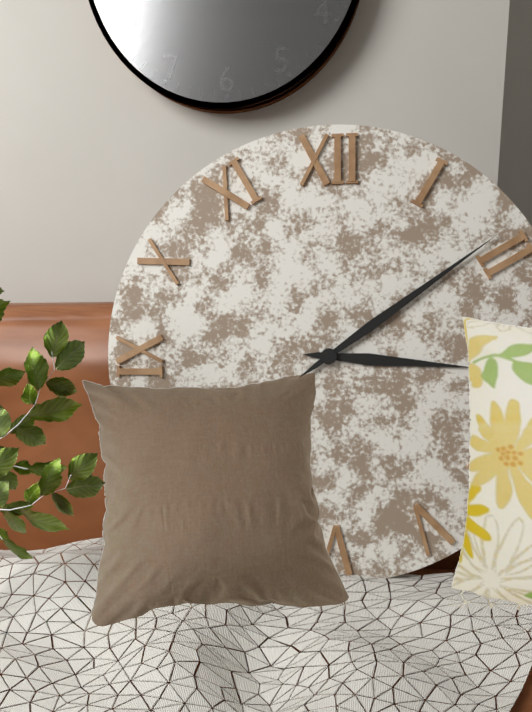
3:09
